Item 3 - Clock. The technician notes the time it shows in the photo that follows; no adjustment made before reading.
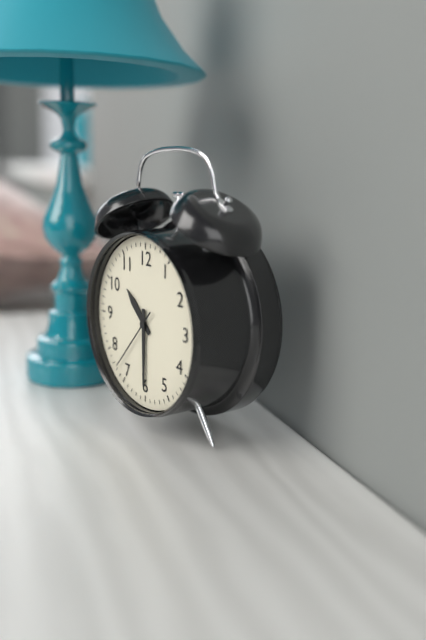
10:30:37
